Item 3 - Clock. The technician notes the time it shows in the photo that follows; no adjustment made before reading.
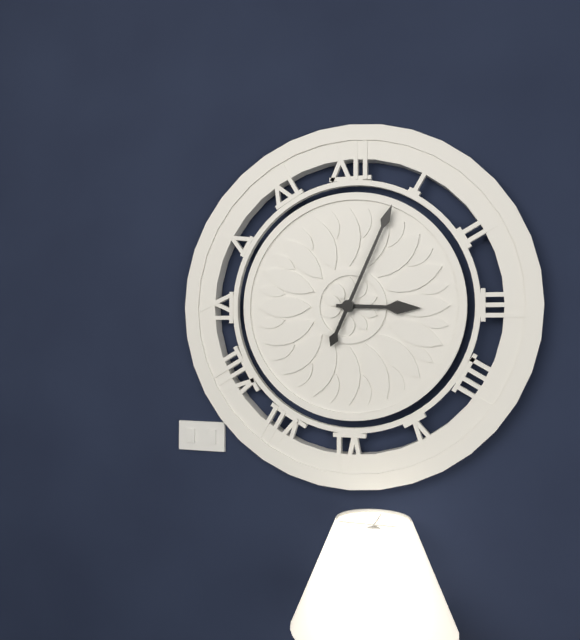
3:04
